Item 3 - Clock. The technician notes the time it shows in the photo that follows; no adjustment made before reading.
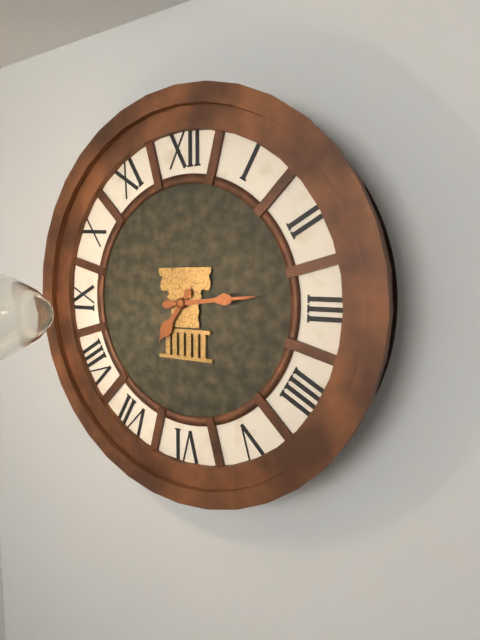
7:14
